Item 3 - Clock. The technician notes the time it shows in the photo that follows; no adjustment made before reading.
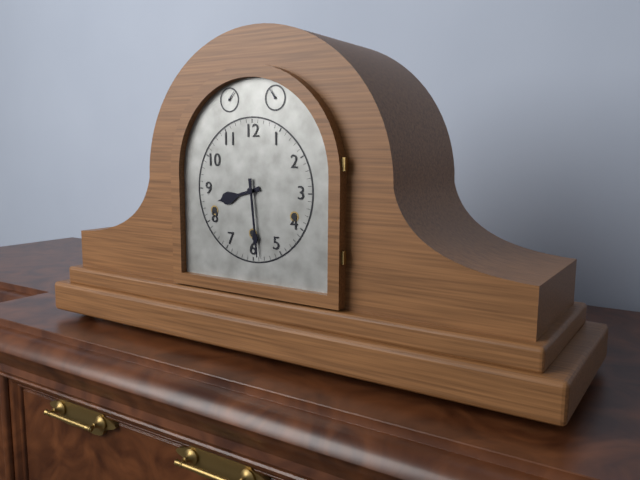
8:29
